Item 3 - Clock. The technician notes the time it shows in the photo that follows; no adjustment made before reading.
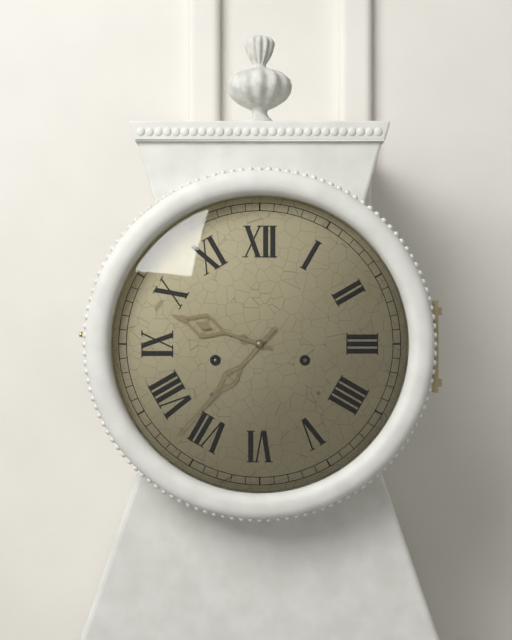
9:37
